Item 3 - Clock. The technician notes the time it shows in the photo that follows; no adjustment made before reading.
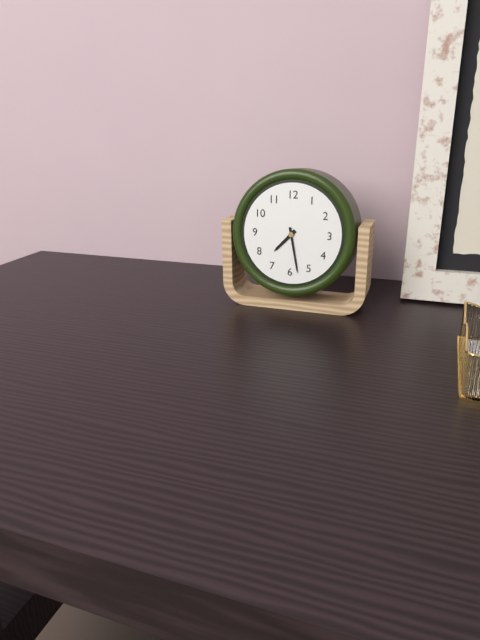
7:28
